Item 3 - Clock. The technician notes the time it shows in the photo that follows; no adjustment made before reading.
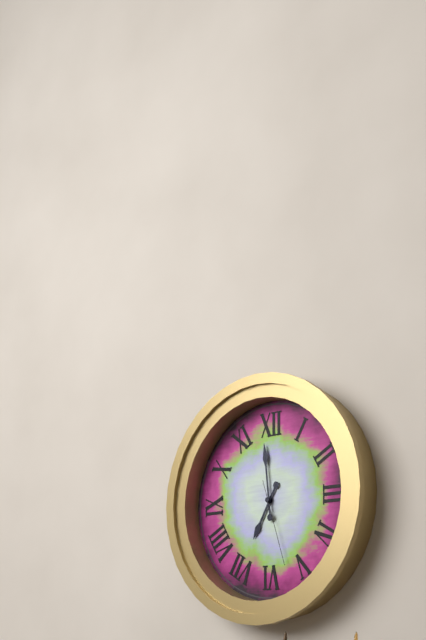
6:59:27
